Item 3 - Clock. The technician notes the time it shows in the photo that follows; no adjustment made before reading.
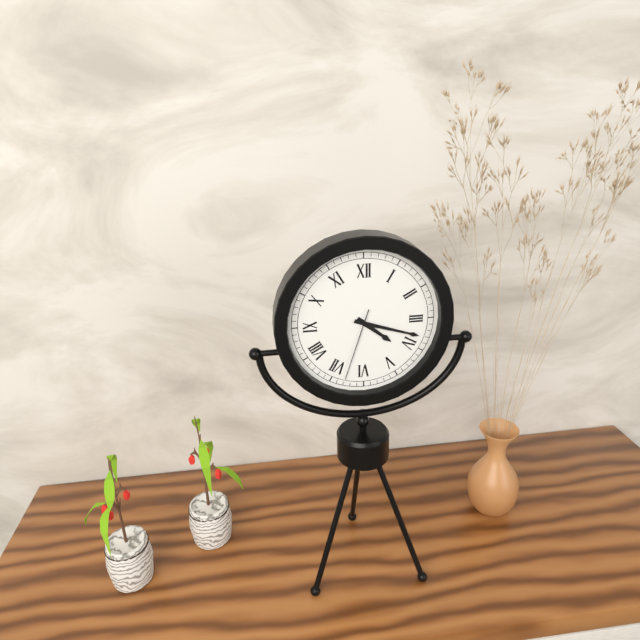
4:18:33
